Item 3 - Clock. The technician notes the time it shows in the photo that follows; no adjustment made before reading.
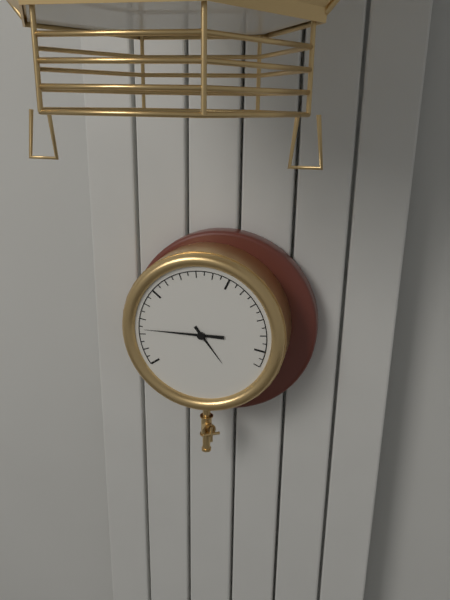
4:45
